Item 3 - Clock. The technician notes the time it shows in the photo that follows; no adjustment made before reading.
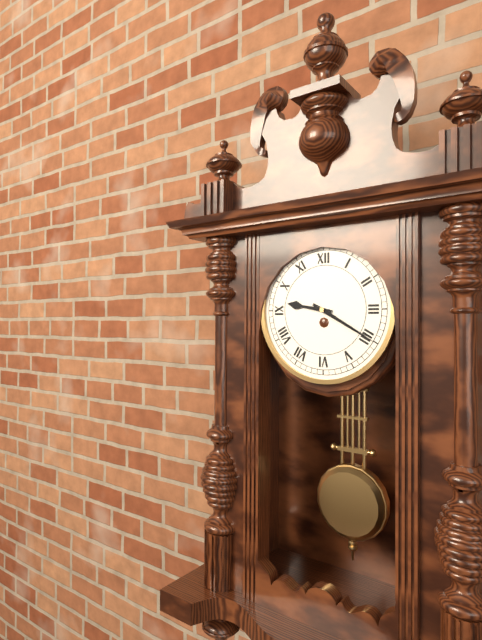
9:20
